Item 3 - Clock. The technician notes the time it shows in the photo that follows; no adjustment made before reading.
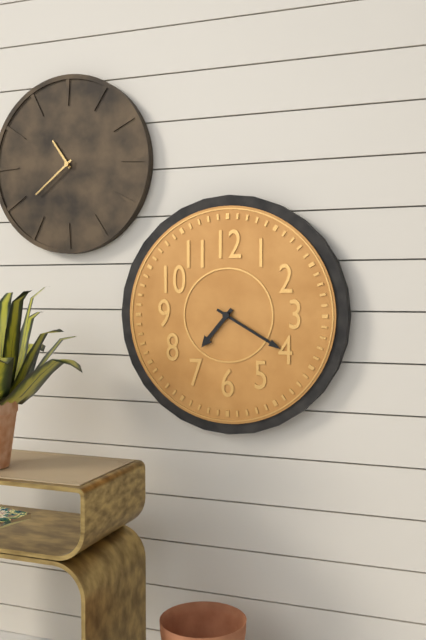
7:20
